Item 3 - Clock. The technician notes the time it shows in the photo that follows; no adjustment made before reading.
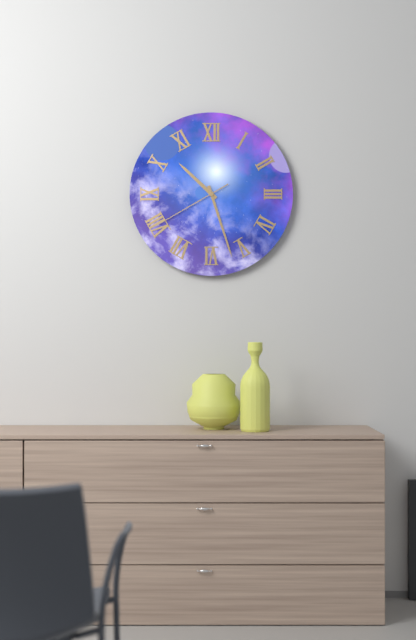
10:27:40
